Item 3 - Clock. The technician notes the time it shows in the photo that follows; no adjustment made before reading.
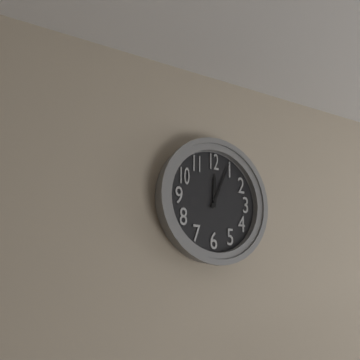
12:04
